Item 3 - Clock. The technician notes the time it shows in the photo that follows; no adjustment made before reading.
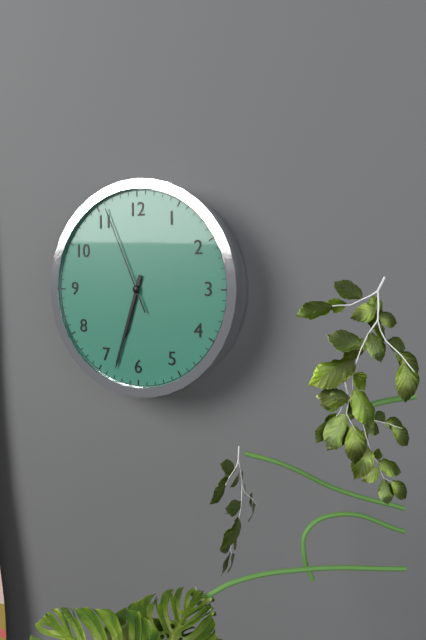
6:33:56
